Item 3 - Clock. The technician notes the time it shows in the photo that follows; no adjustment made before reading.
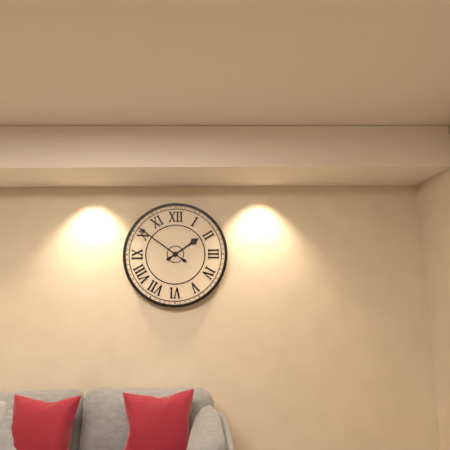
1:51
